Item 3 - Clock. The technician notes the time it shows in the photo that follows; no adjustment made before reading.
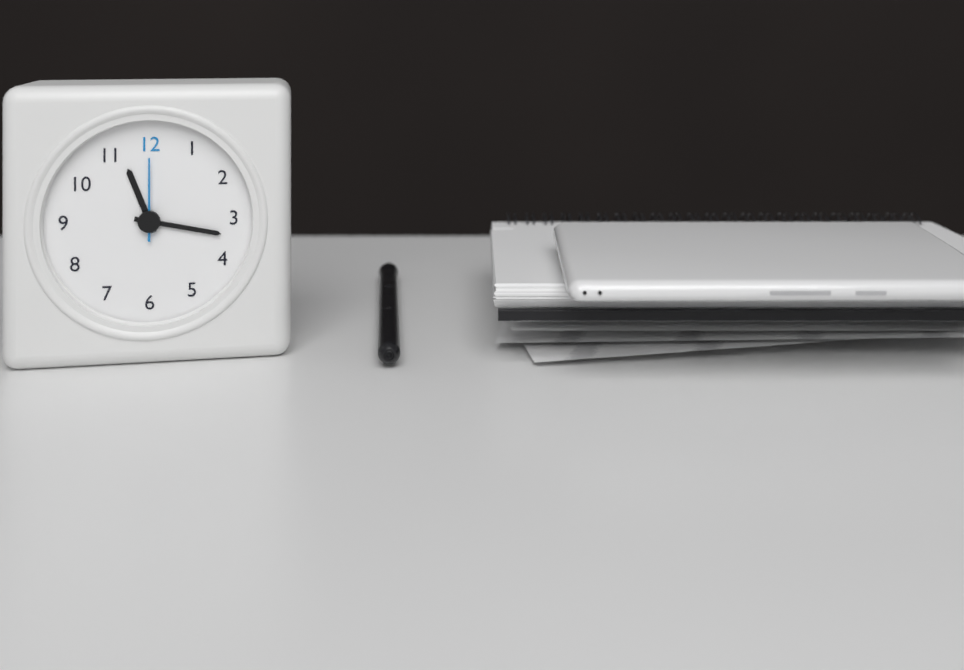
11:17:00
